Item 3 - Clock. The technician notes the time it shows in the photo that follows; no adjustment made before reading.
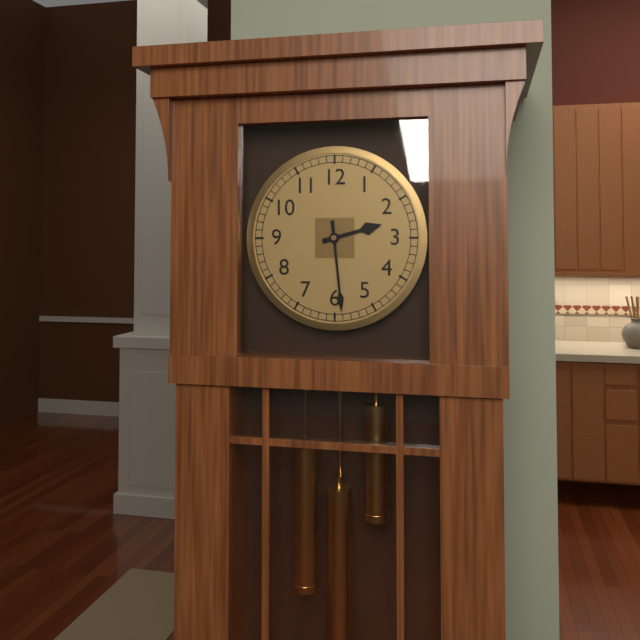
2:29
